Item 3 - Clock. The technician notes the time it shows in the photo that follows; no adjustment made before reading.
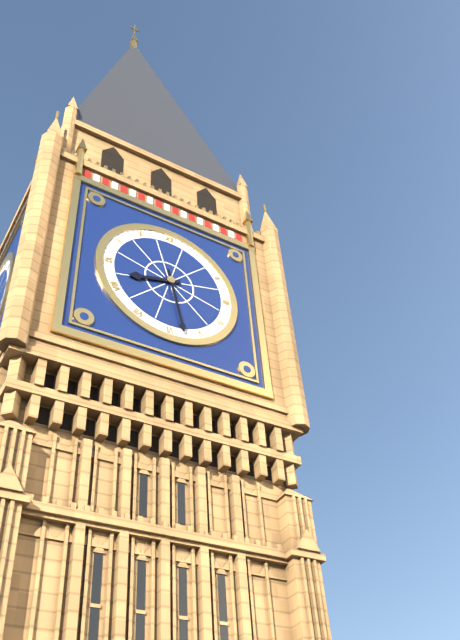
8:28
